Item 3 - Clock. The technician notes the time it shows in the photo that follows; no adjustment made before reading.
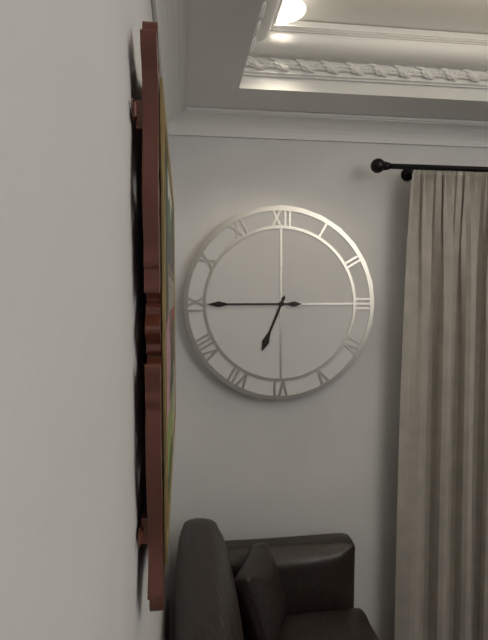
6:45
